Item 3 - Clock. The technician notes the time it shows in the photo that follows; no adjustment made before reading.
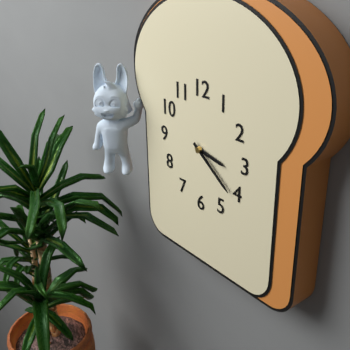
3:21
